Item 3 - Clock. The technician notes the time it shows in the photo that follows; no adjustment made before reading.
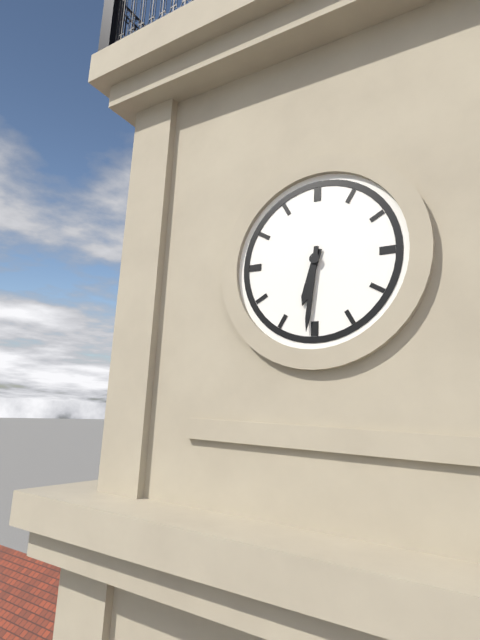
6:31
